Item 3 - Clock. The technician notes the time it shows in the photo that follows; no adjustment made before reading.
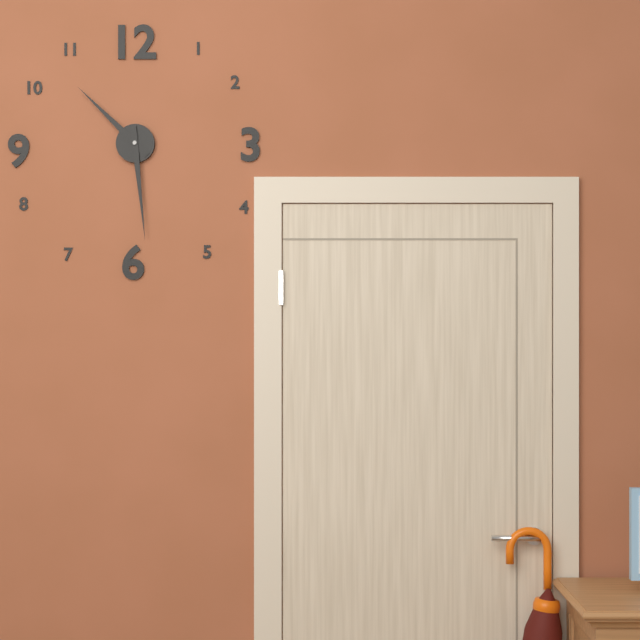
10:29
